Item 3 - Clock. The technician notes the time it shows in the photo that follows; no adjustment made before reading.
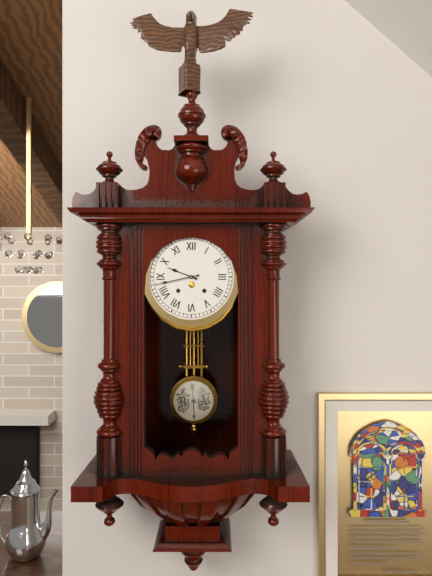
9:43
